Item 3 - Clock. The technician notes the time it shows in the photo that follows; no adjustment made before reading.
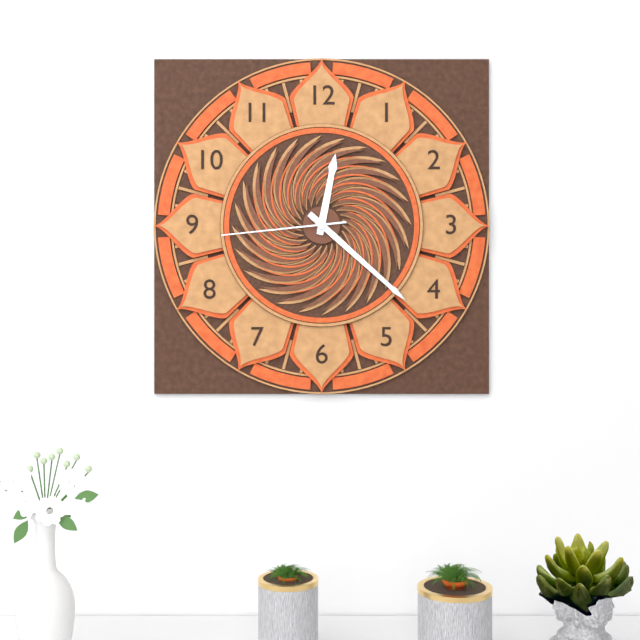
12:22:44
